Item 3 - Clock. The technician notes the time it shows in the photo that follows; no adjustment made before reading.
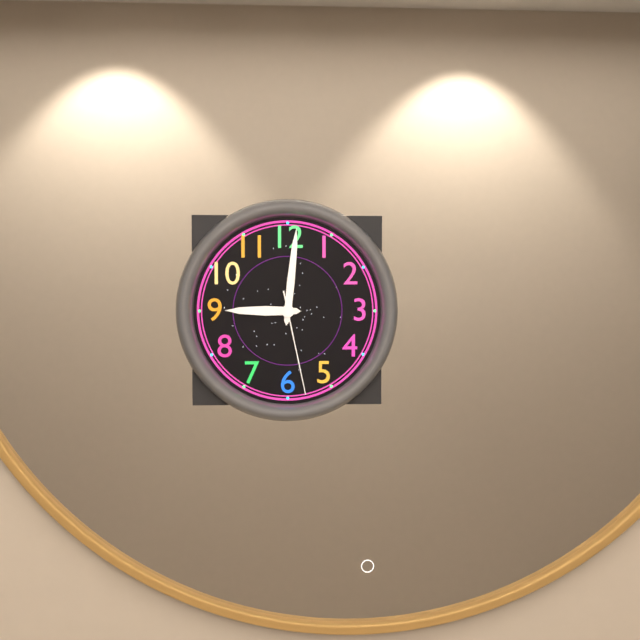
9:01:28
